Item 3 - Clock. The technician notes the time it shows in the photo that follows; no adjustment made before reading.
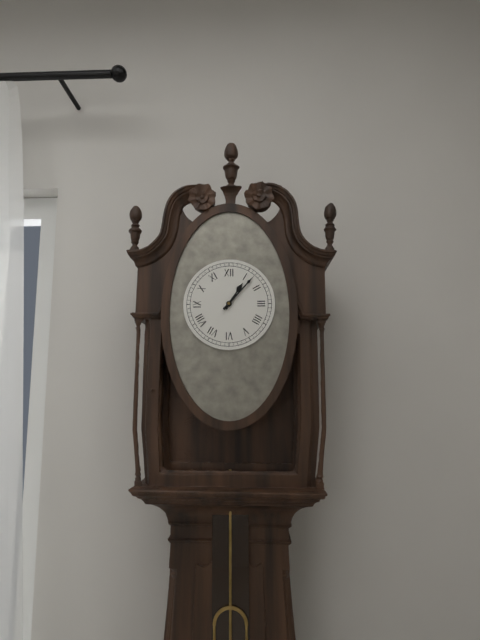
1:07
